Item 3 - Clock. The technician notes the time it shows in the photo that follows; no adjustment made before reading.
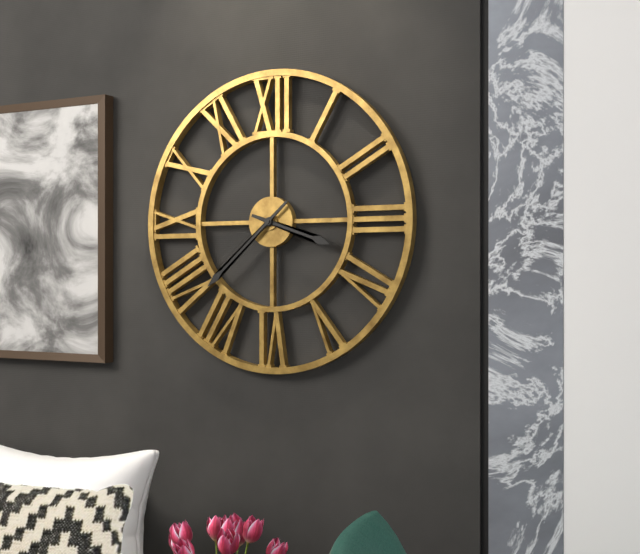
3:38
